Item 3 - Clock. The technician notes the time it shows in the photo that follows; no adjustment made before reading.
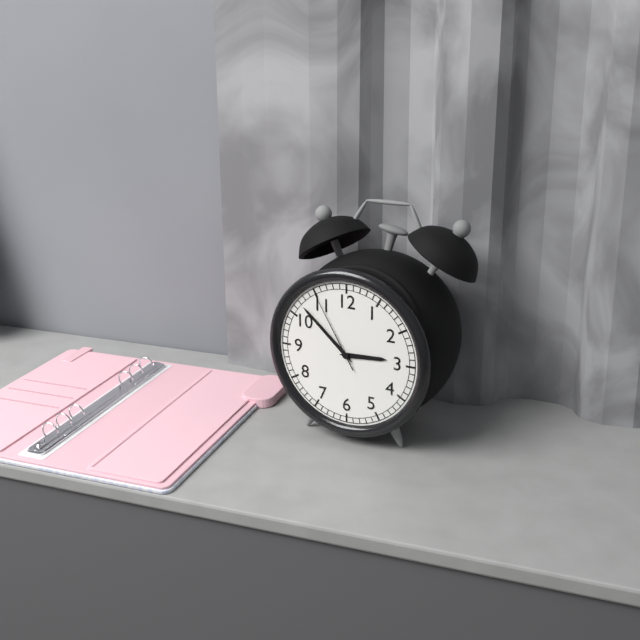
2:52:55
